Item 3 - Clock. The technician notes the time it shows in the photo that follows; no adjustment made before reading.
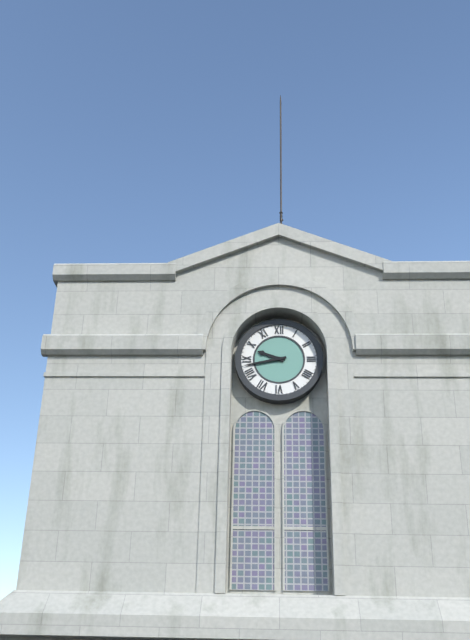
9:43
